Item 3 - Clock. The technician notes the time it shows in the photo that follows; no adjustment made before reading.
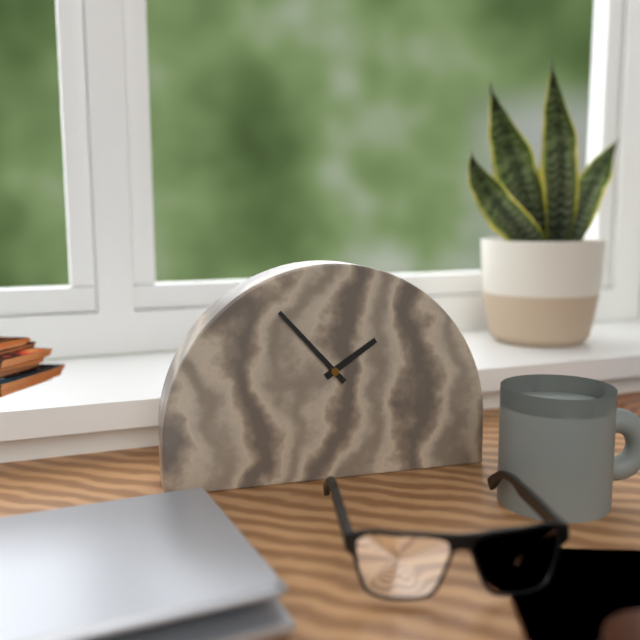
1:53
